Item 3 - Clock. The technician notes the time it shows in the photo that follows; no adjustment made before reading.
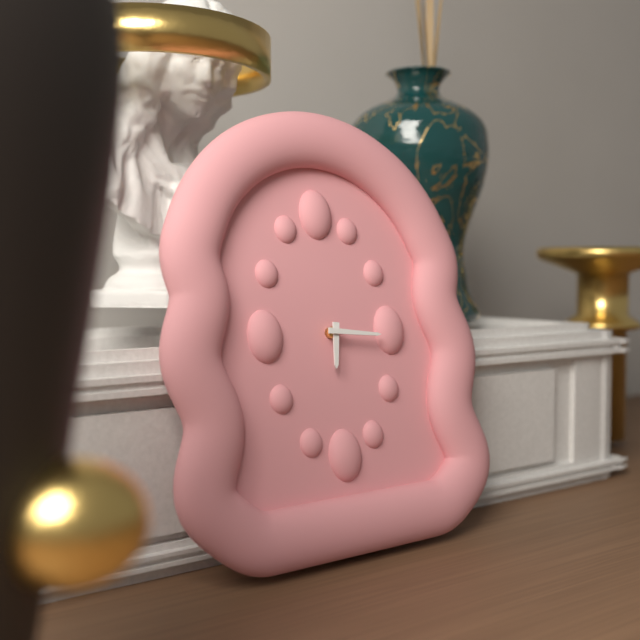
6:16
